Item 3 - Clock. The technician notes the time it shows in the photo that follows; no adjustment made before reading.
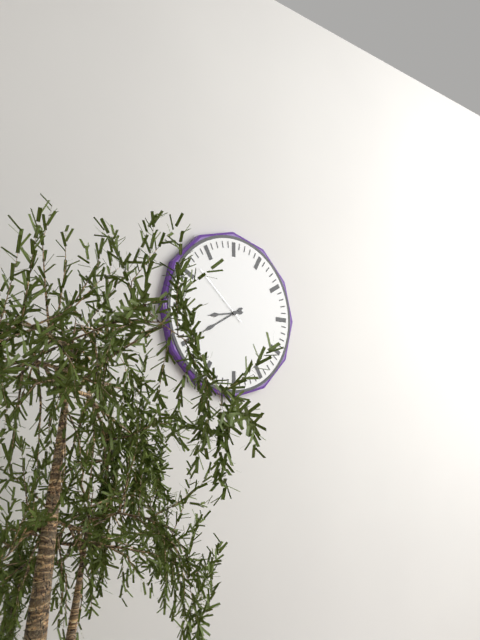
8:40:52
